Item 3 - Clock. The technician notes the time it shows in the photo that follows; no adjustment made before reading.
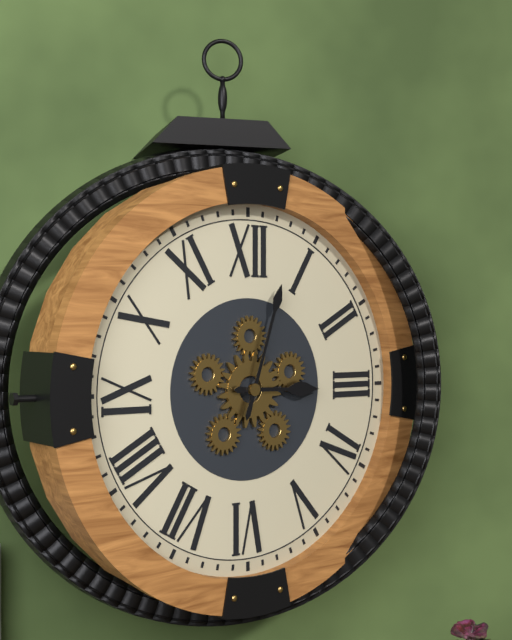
3:03
